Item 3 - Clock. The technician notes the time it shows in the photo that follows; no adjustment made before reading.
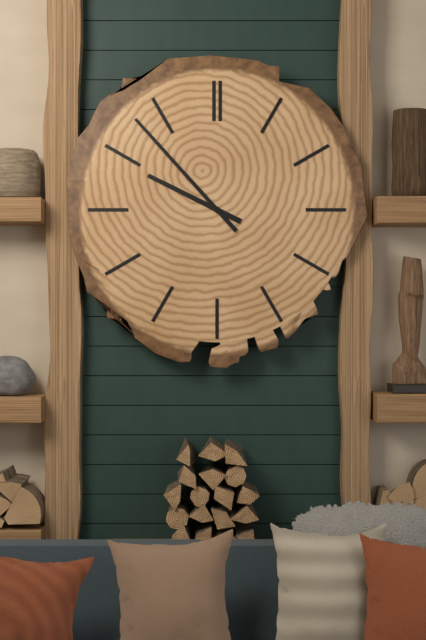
9:53
